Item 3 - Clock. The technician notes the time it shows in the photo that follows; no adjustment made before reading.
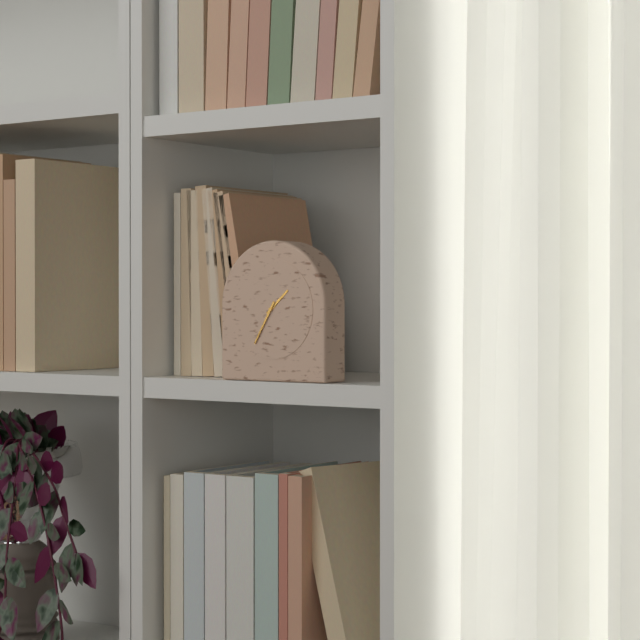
1:35
